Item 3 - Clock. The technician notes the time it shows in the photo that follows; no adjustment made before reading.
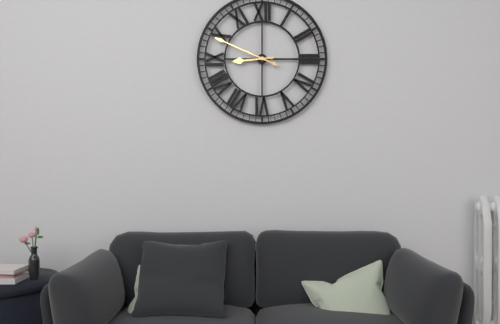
8:49
